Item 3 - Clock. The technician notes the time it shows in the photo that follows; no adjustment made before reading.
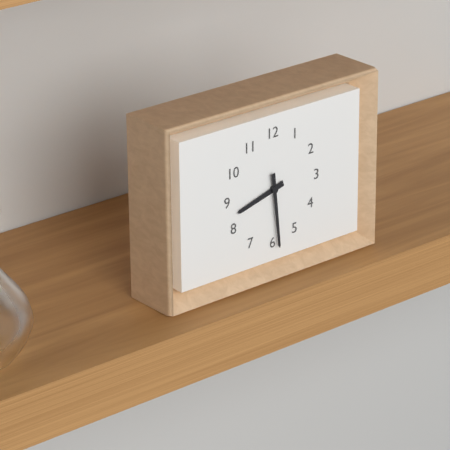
8:29
